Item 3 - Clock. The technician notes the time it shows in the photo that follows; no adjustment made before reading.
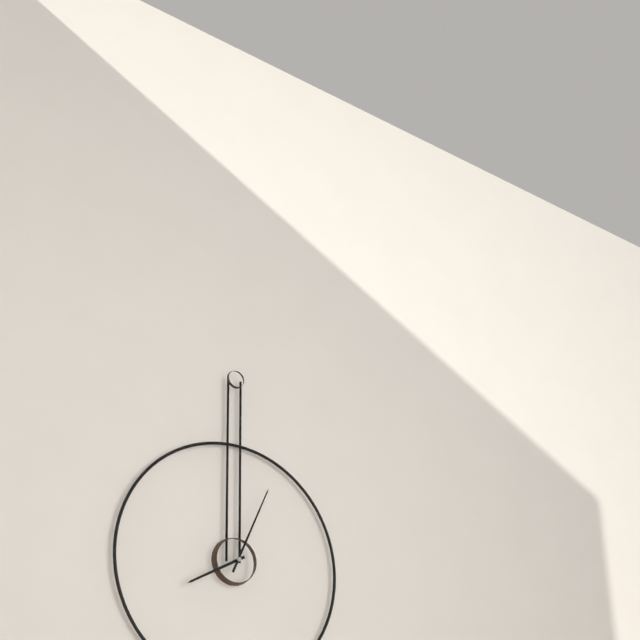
8:04
